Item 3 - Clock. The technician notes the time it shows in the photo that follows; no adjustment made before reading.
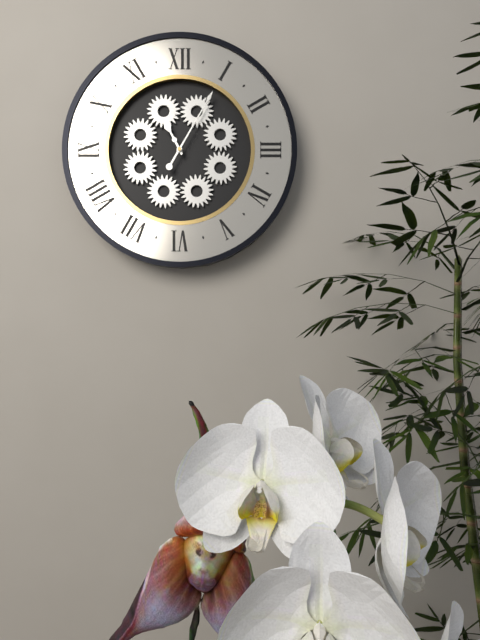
11:05
